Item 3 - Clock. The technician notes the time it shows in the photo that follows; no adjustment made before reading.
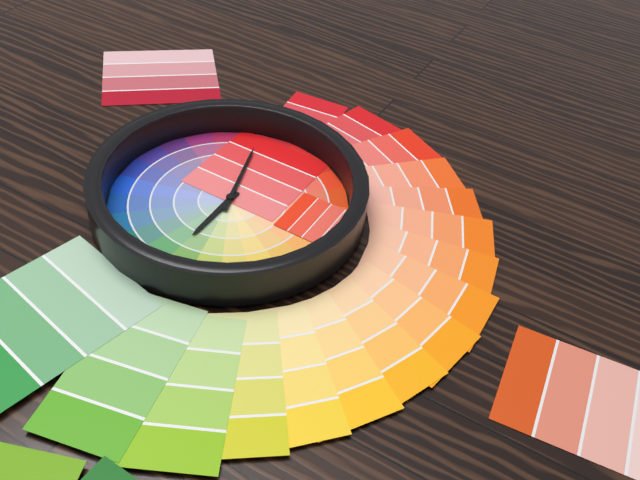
5:57
